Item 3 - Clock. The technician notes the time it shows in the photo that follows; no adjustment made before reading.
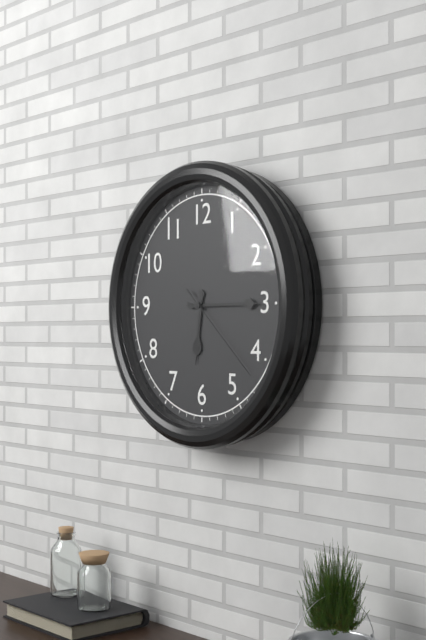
6:15:22
